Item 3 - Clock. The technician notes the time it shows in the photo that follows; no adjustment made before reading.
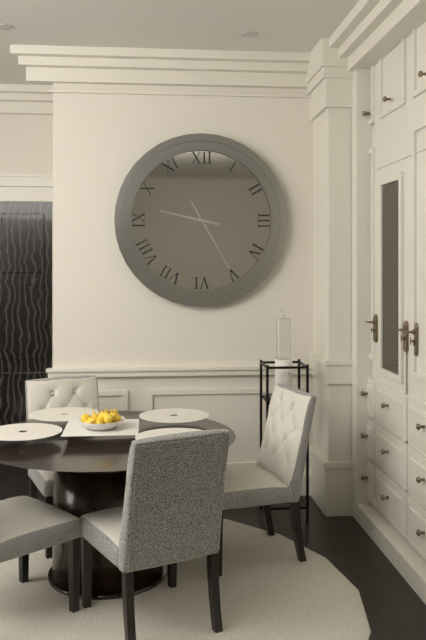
9:25
